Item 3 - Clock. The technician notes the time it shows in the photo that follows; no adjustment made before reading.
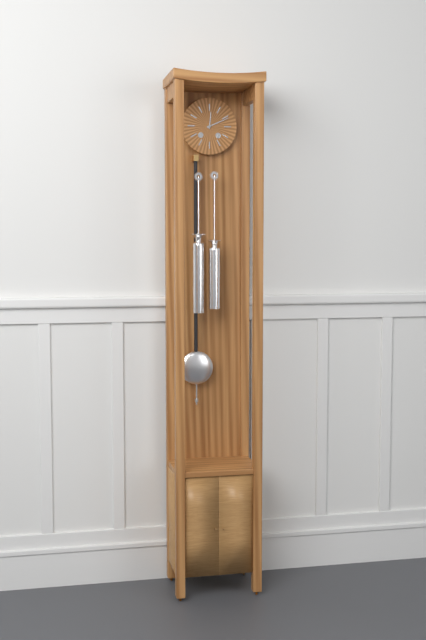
12:11
